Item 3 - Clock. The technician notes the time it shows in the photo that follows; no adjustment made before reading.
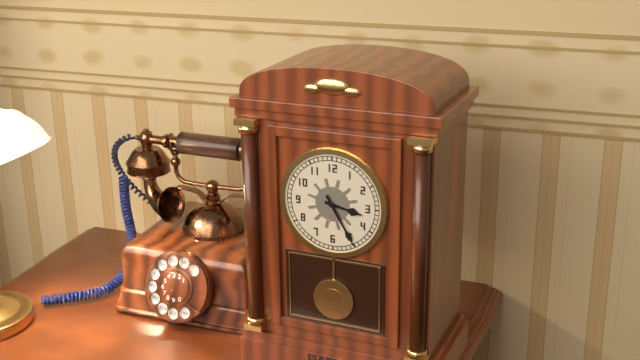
3:25
